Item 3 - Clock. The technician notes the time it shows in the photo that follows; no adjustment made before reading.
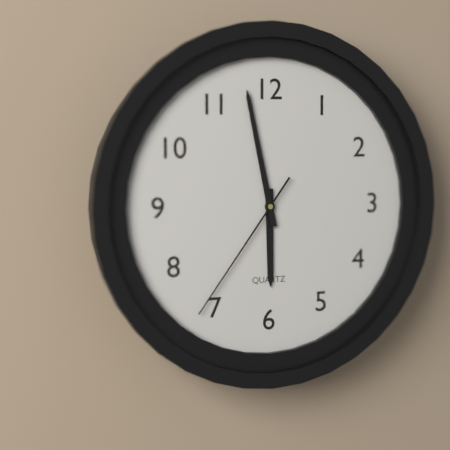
5:58:36
